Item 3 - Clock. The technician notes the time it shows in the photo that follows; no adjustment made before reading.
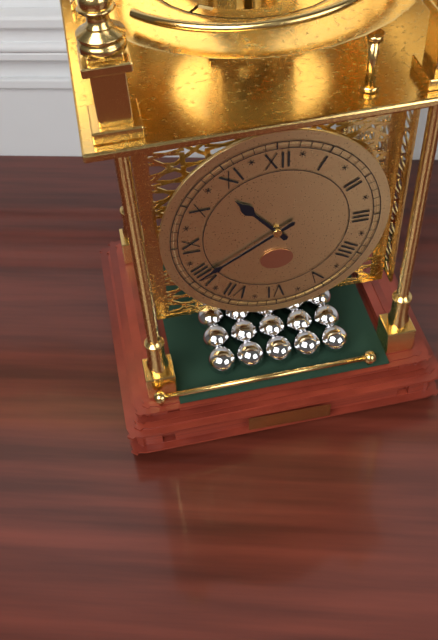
10:40
